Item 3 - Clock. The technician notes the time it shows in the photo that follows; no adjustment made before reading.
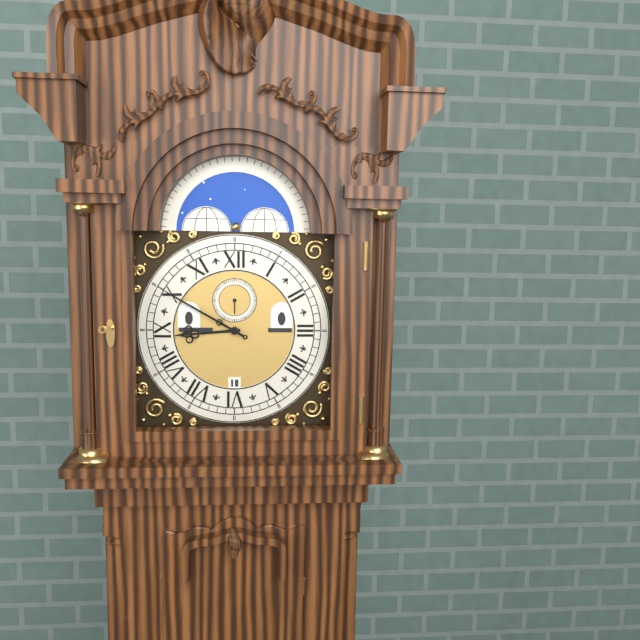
8:50
